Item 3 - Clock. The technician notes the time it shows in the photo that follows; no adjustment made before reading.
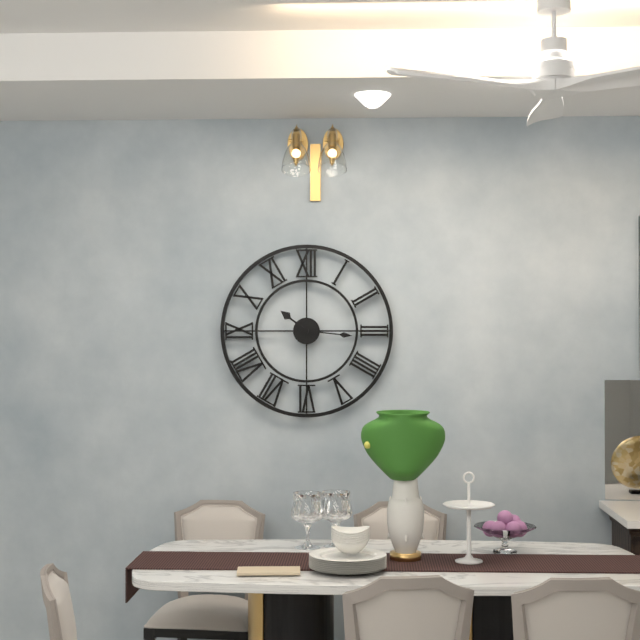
10:16
